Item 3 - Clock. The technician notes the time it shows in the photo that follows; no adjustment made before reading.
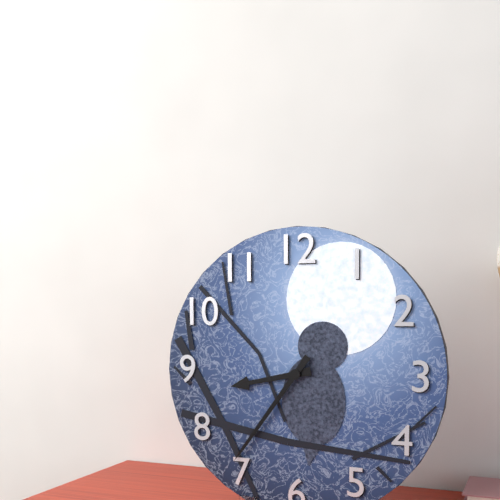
8:36
